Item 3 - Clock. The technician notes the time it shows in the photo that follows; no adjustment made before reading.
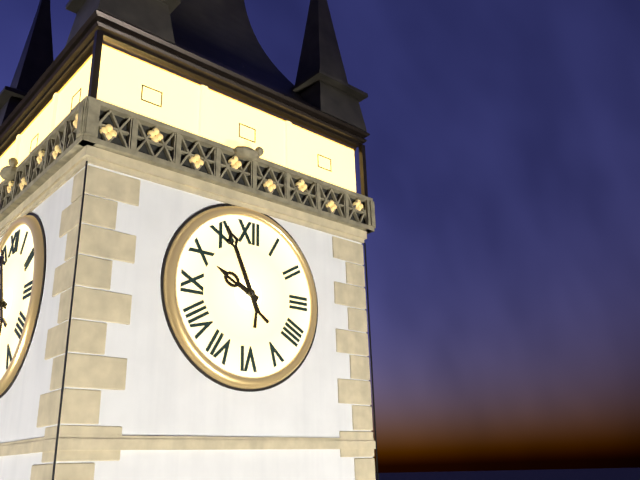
9:56
